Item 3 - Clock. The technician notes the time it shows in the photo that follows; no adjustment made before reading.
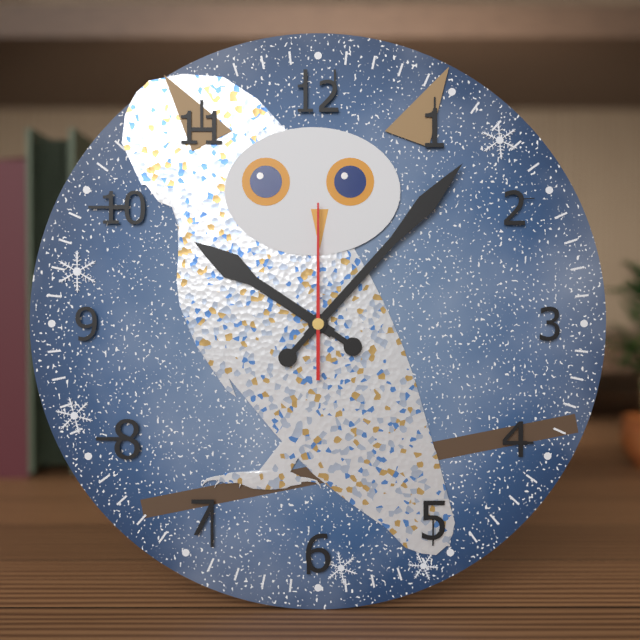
10:07:00
